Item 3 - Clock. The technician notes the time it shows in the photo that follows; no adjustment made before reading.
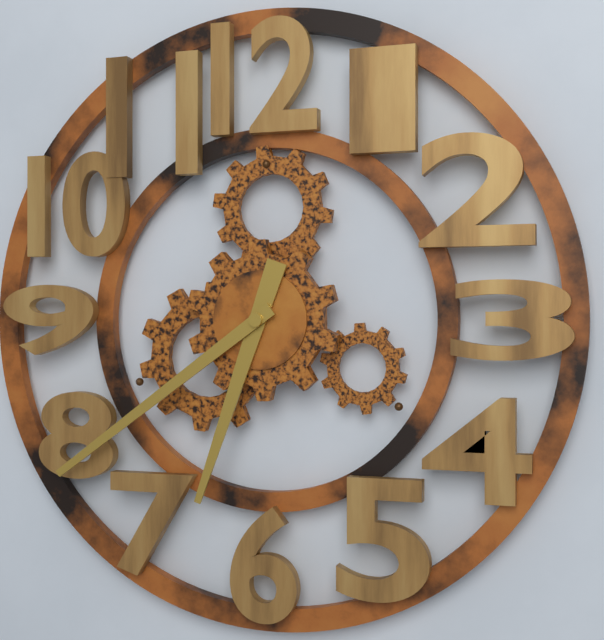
6:39
